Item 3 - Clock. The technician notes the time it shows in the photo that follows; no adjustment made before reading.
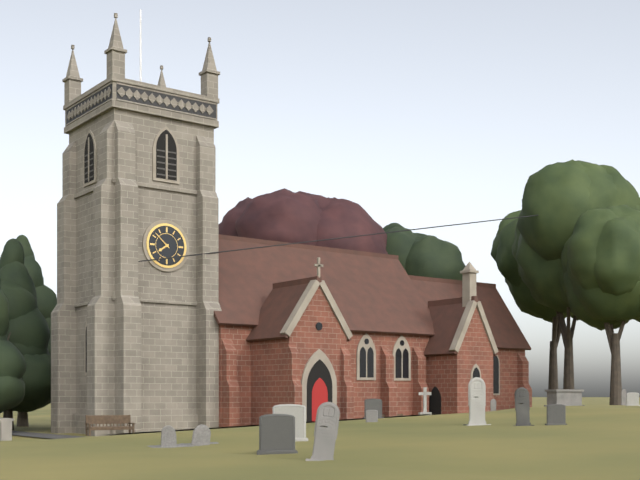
7:52
